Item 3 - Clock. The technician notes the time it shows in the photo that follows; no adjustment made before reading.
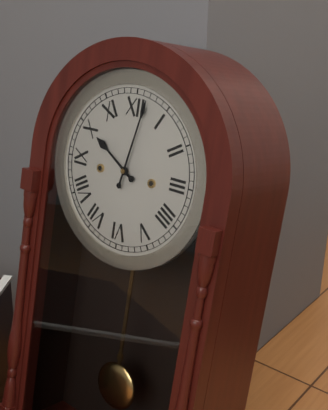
10:02
